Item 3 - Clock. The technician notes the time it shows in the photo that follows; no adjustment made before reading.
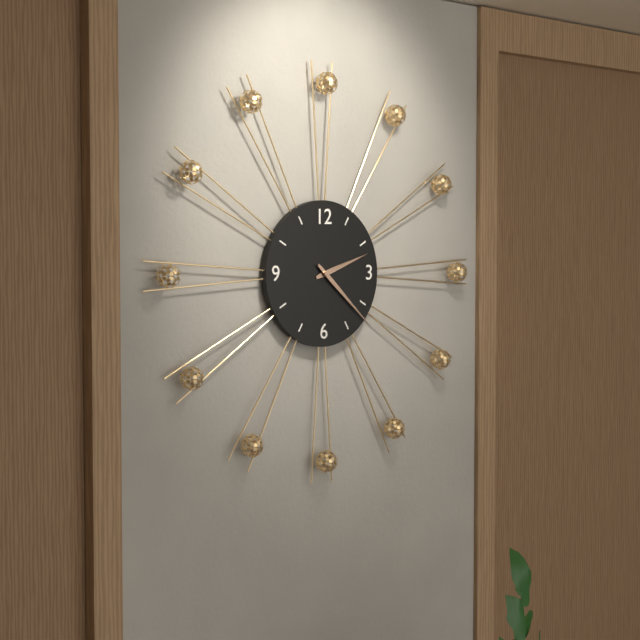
2:22
